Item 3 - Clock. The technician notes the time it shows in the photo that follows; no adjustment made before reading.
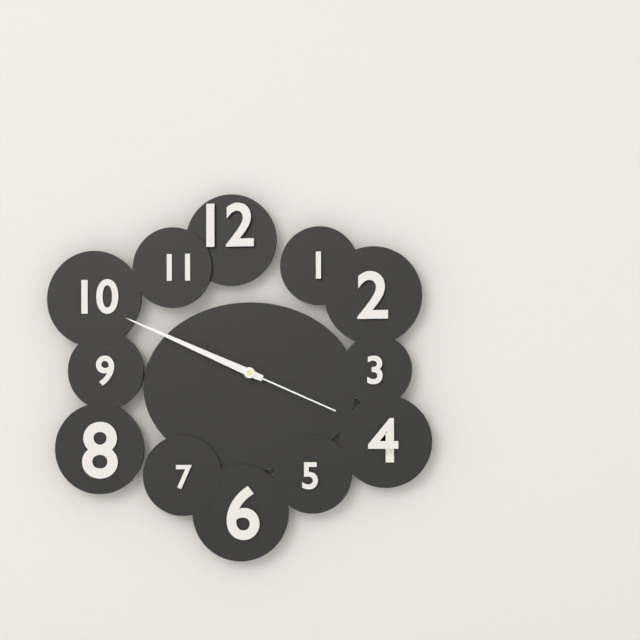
9:49:19
